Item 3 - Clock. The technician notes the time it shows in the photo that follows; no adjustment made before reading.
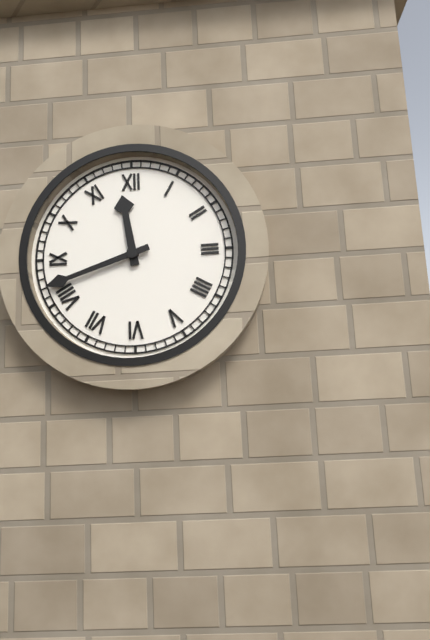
11:42
